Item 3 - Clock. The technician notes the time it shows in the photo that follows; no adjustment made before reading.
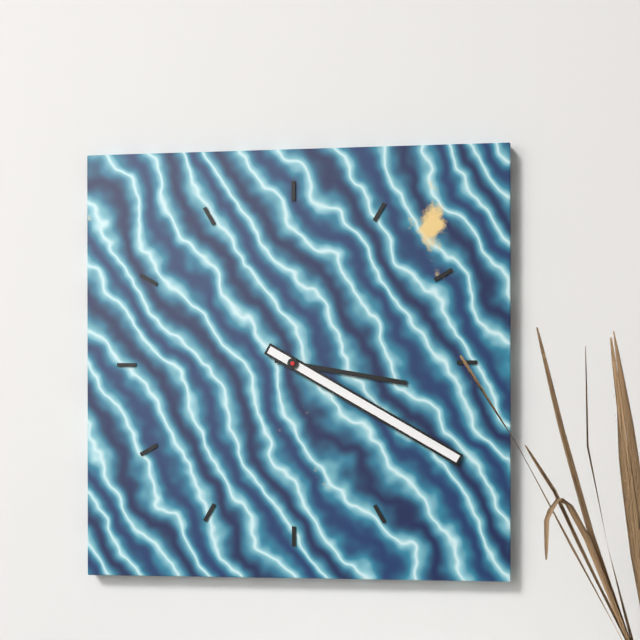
3:20
